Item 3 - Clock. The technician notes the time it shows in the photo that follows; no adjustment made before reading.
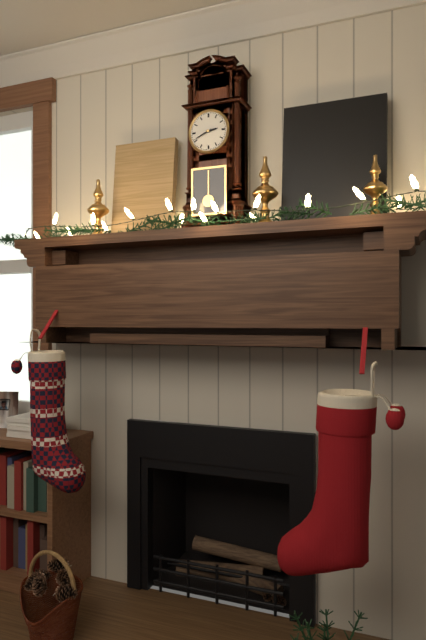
2:41
